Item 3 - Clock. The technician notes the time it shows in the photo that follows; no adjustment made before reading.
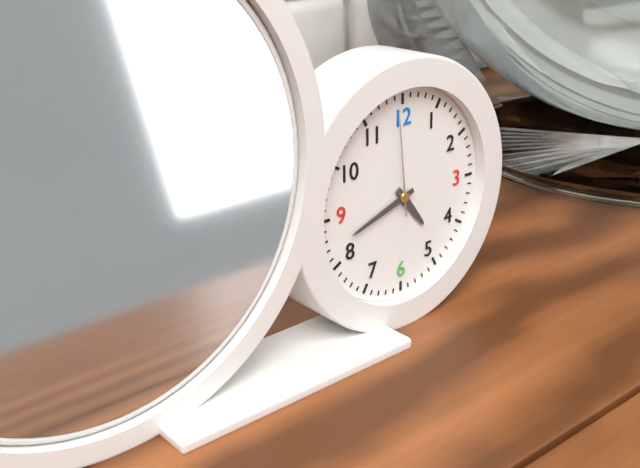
4:42:59
